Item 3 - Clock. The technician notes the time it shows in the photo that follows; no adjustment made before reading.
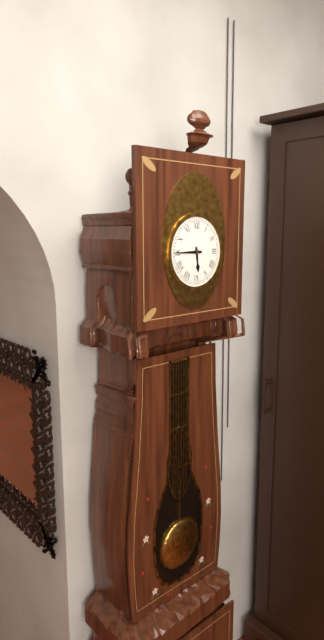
5:45
